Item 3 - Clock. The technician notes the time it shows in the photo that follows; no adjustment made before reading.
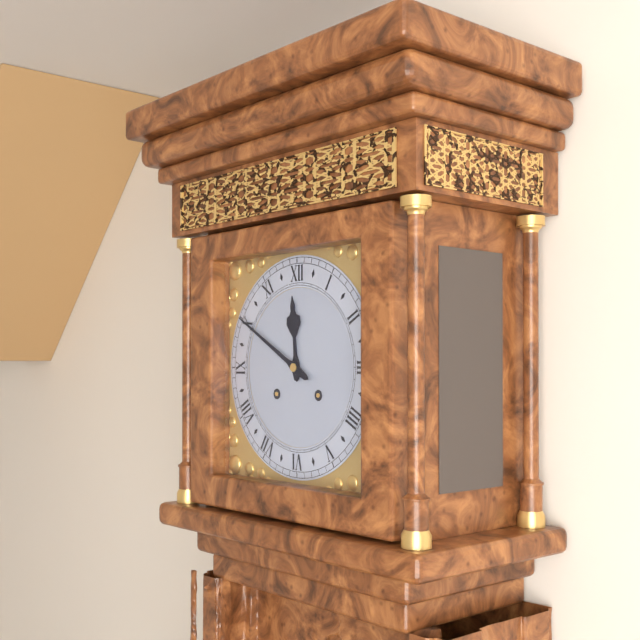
11:50
